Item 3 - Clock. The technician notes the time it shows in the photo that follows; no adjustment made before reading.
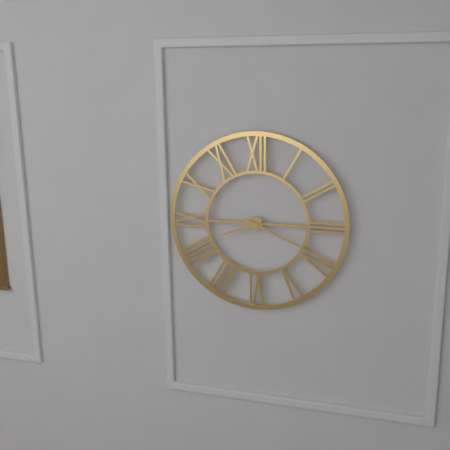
8:19
